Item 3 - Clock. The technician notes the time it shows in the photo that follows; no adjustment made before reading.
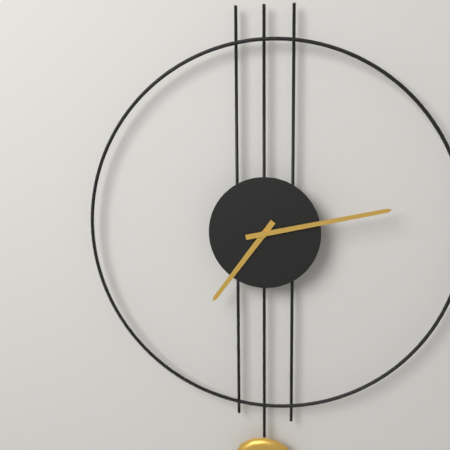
7:13
